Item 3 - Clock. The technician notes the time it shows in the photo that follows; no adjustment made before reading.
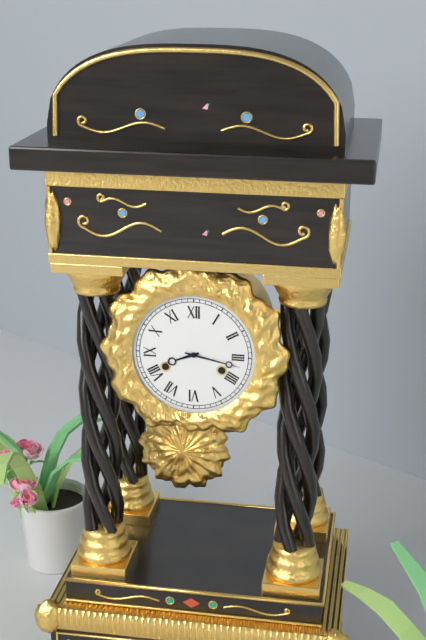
8:17
